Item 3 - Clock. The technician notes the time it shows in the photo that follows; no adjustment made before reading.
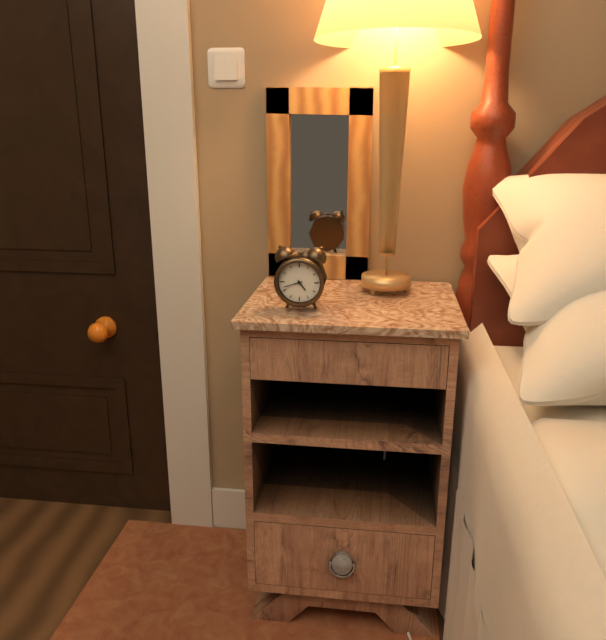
4:42
